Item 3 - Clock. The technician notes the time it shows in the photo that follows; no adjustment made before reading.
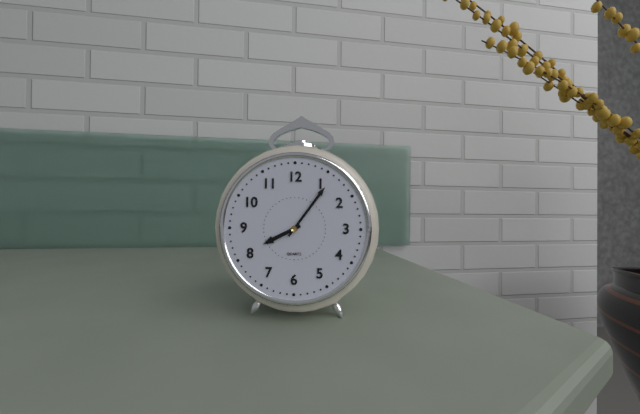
8:06
